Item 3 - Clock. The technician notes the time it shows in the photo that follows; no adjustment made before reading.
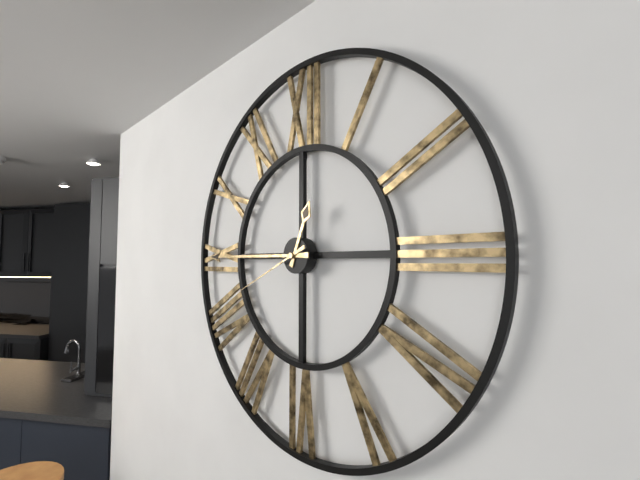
12:45:41
